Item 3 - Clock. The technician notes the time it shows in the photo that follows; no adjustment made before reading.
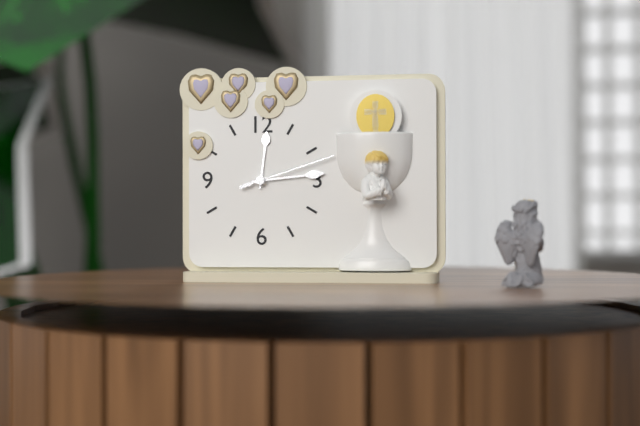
12:14:12
